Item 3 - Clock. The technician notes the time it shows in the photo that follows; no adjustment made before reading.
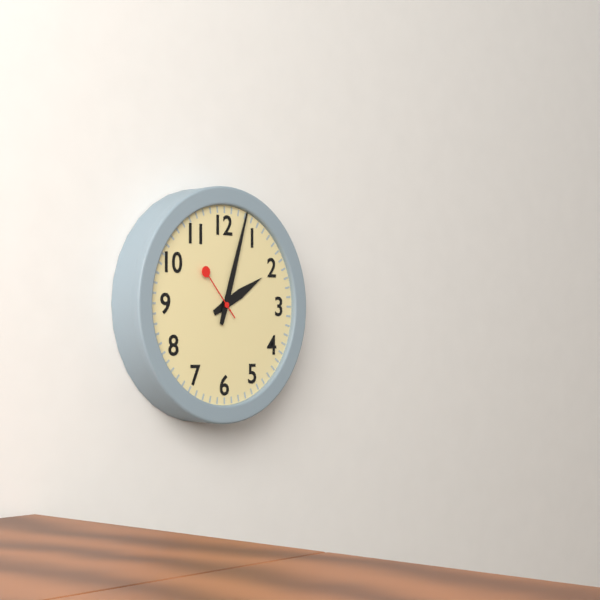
2:03:53
